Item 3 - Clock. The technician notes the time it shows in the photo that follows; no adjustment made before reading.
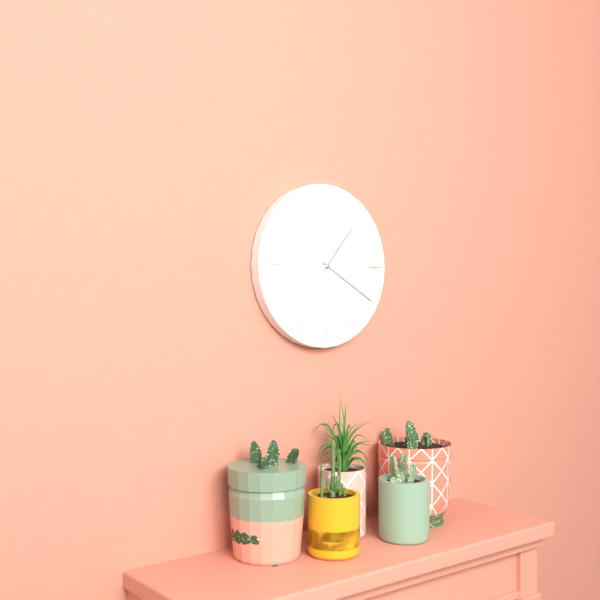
1:20
